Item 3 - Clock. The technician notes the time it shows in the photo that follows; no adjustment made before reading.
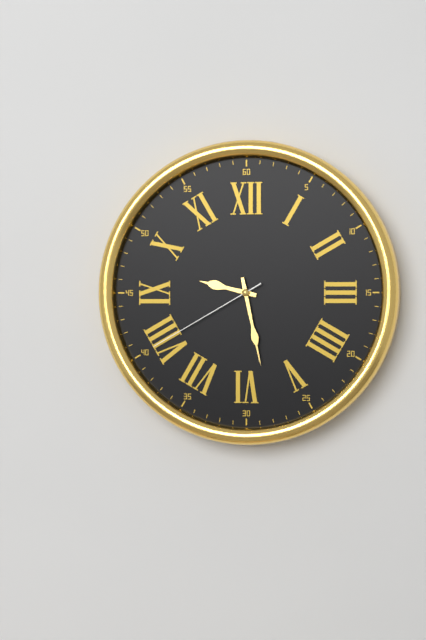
9:28:40
